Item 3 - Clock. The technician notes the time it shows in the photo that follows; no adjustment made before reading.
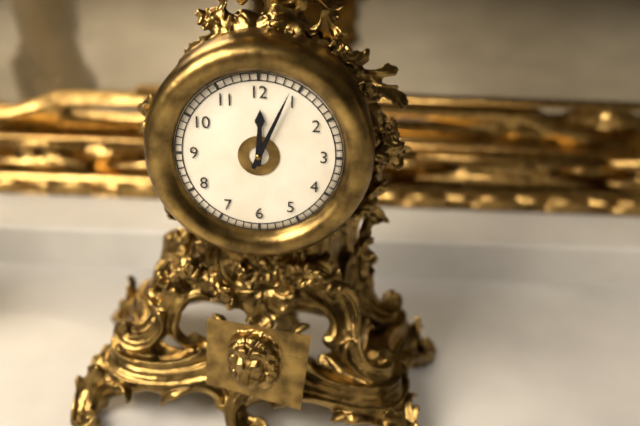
12:04
